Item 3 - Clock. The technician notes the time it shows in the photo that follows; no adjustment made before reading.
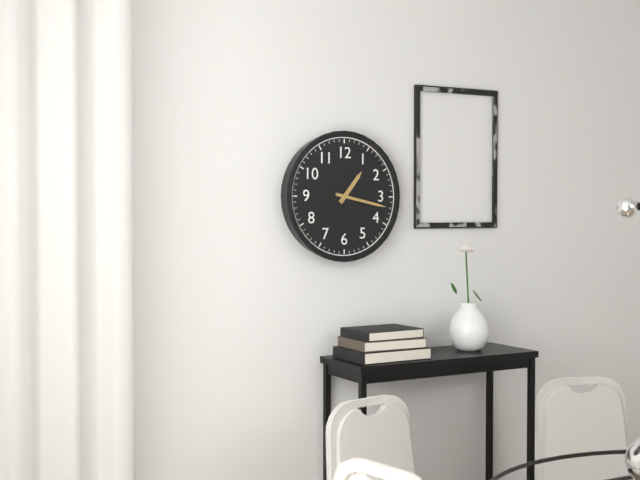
1:17
